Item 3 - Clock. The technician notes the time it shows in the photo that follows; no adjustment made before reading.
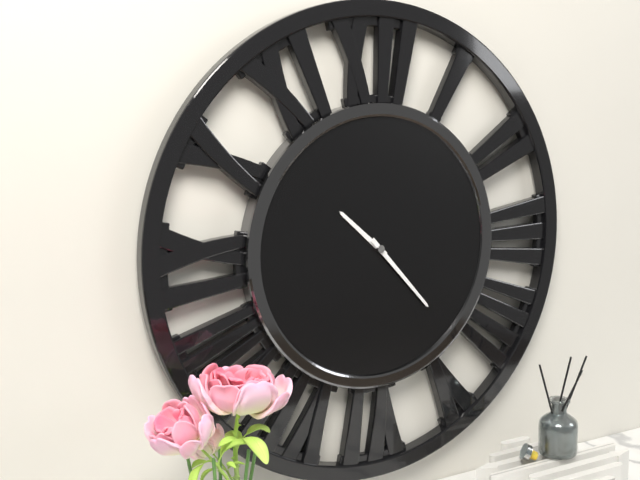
10:23
